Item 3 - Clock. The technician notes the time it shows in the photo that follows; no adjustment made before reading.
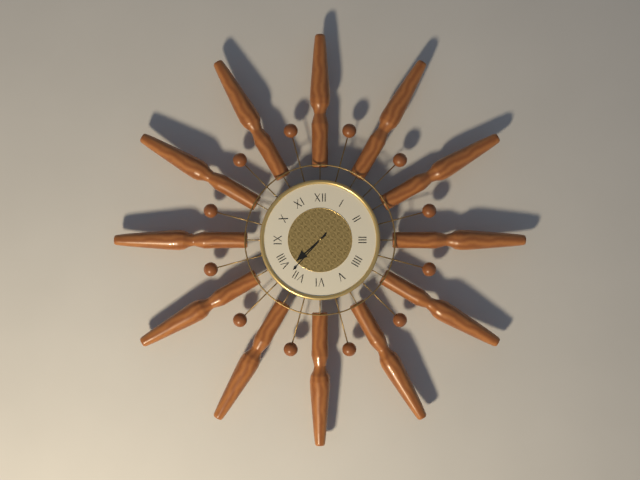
7:37
